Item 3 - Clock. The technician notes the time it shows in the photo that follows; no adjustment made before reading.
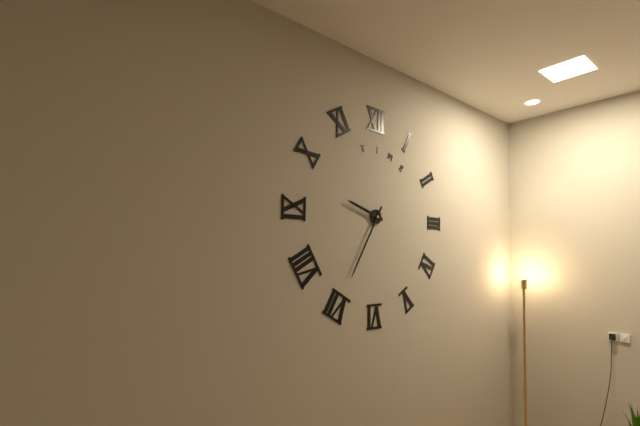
9:35
